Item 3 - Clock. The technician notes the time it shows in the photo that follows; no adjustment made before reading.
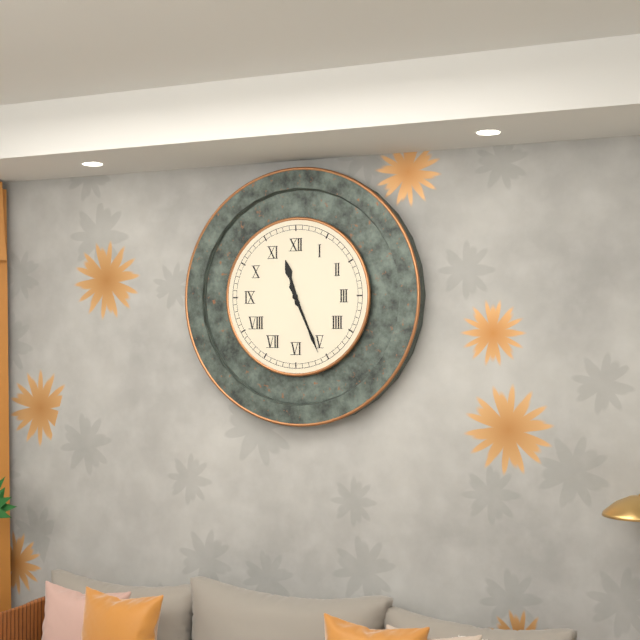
11:26
